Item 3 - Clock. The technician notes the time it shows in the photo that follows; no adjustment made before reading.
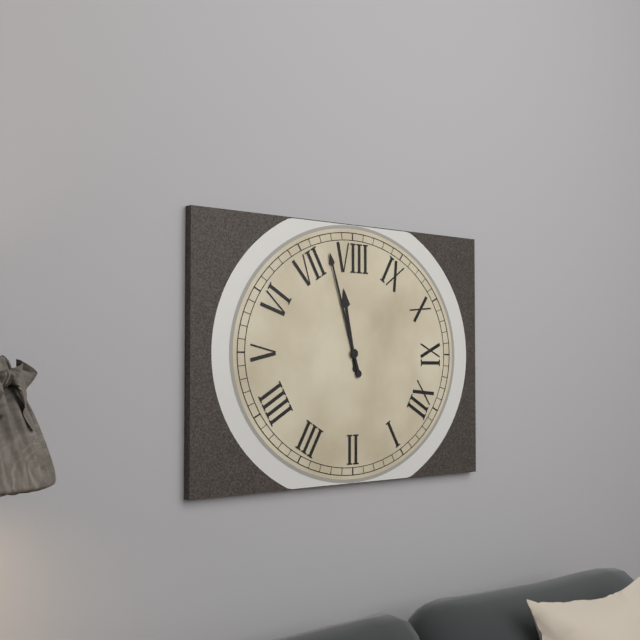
7:37
